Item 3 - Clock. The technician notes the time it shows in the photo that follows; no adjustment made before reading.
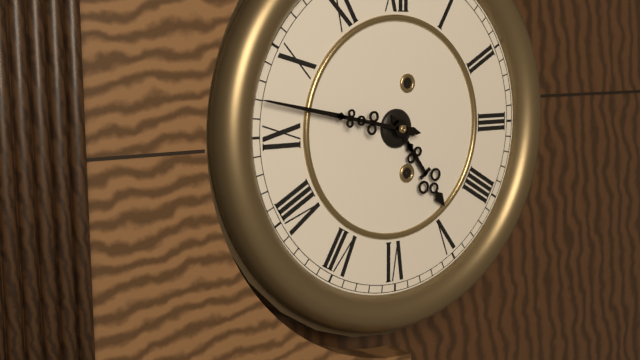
4:47
